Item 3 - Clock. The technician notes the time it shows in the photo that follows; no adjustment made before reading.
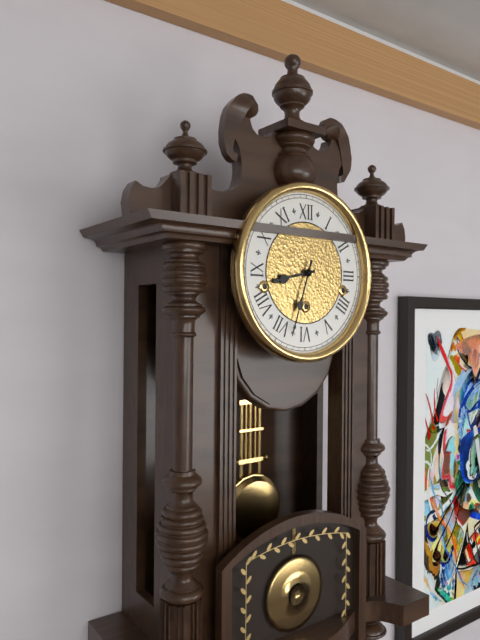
8:33
